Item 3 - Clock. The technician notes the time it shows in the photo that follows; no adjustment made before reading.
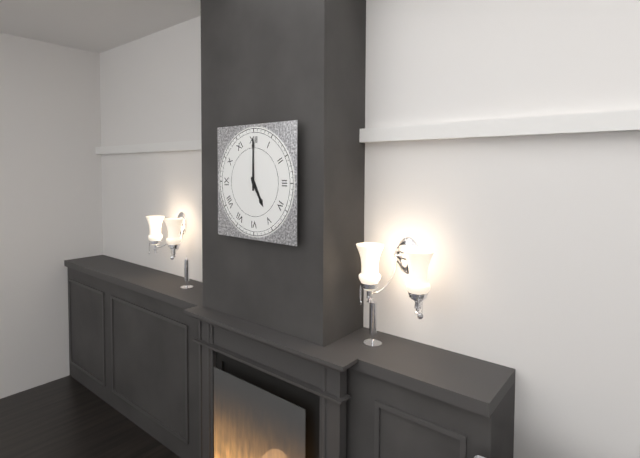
5:00
